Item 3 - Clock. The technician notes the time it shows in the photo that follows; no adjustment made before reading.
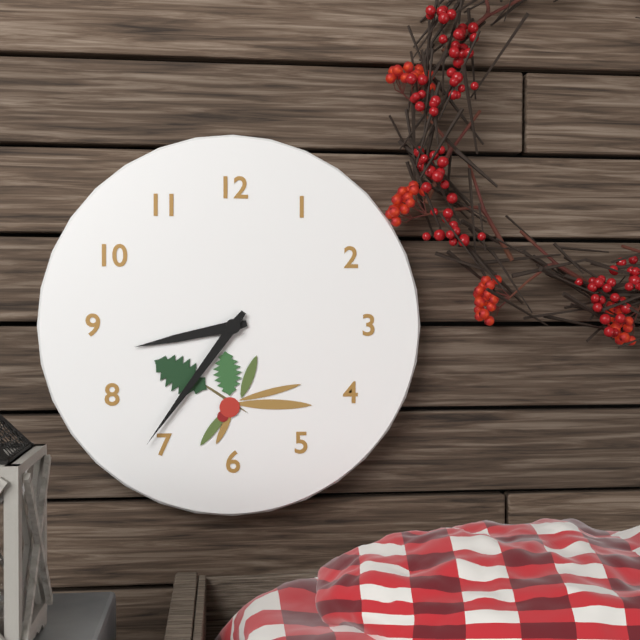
8:36
